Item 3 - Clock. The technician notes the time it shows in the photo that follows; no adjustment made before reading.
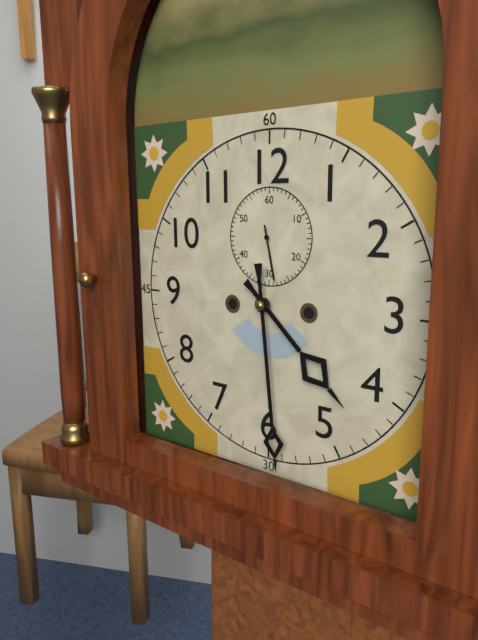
4:29:28
